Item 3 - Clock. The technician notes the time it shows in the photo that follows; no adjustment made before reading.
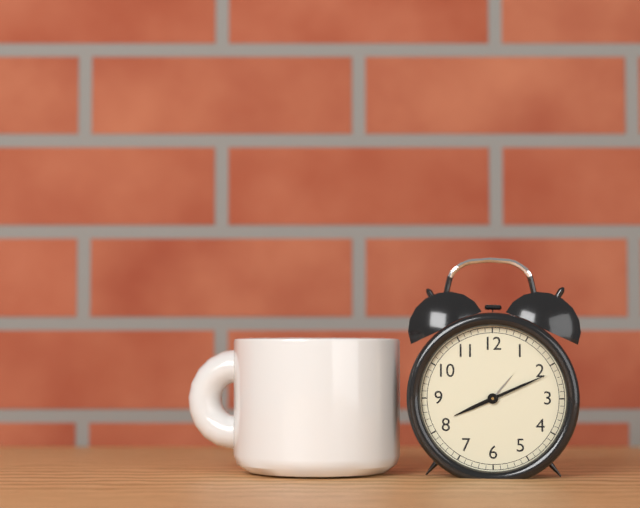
8:11
